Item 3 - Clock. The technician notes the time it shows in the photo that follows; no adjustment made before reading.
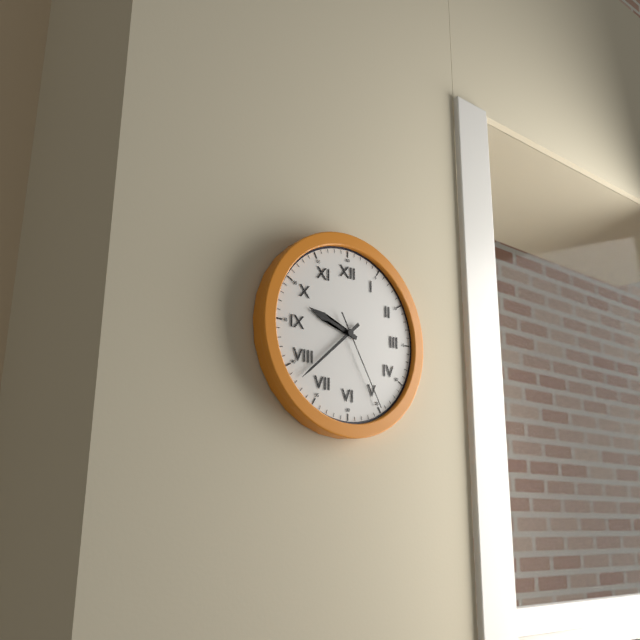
9:38:25
